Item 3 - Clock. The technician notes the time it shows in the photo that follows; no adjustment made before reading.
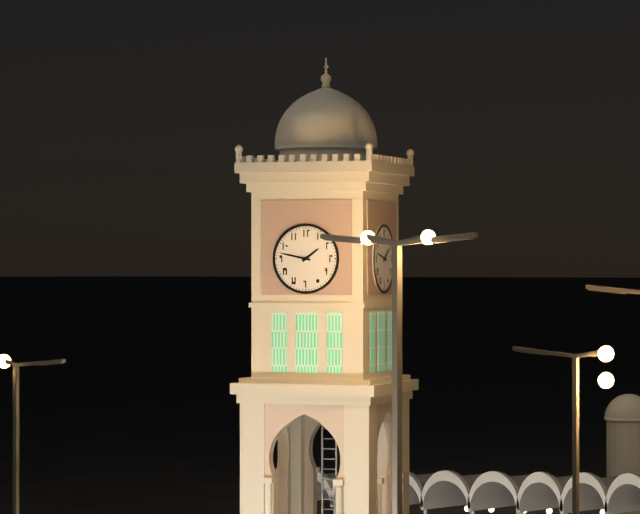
1:47
